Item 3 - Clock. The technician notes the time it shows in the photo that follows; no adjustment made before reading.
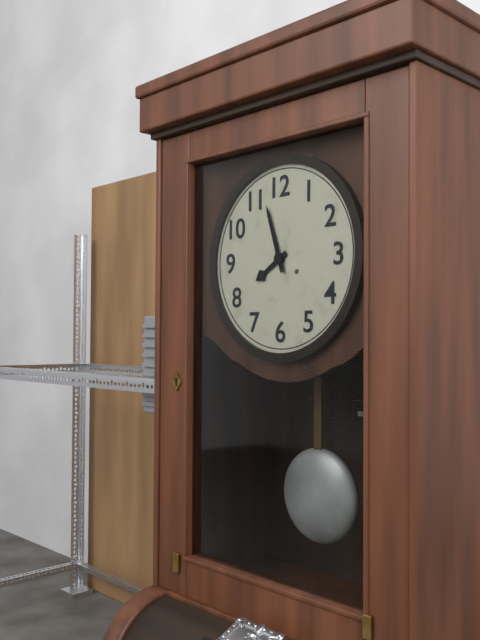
7:57
